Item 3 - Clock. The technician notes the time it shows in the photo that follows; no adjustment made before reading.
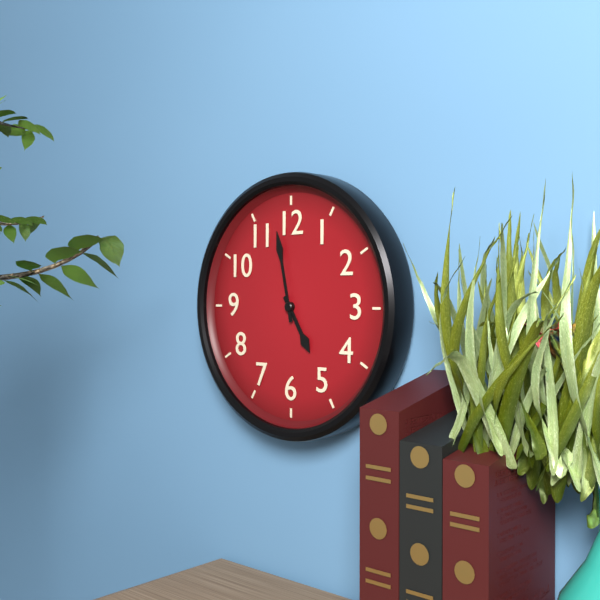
4:58
